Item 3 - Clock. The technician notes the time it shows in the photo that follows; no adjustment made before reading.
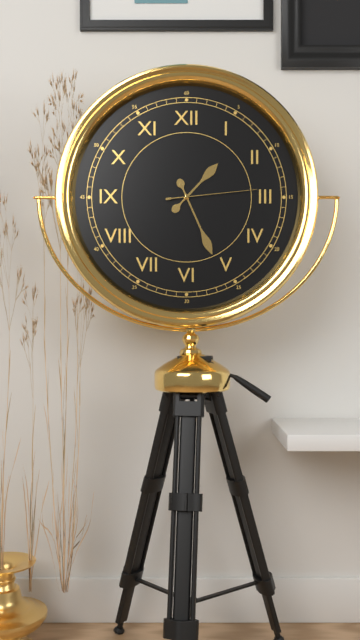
1:26:14
